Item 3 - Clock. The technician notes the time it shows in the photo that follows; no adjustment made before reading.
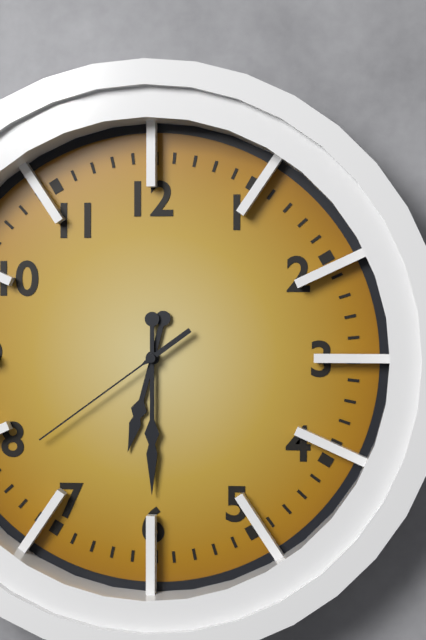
6:30:39
